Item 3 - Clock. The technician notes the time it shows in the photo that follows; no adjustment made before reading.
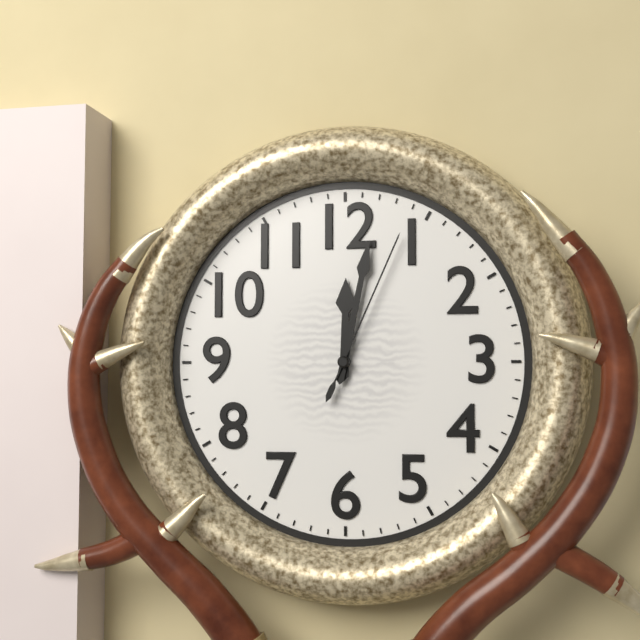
12:02:04
